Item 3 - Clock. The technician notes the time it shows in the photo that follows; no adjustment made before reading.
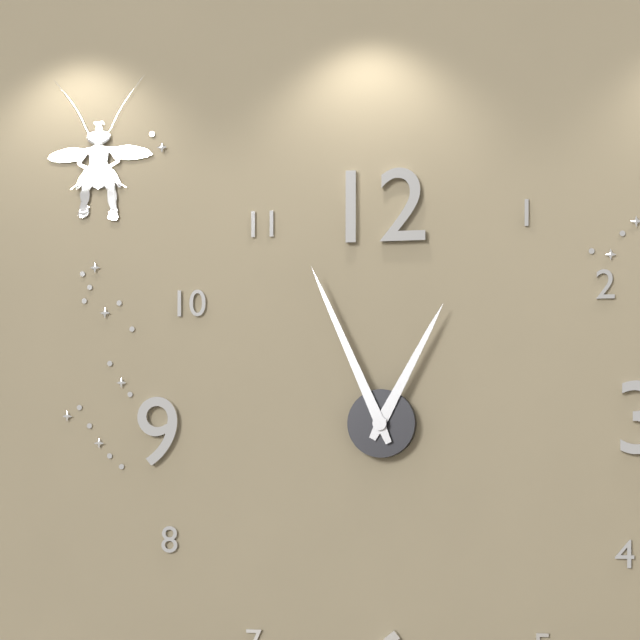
12:56
